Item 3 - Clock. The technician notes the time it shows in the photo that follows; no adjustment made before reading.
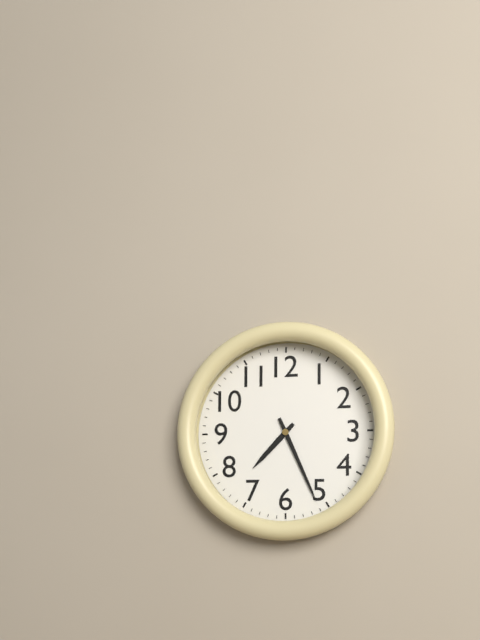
7:26
